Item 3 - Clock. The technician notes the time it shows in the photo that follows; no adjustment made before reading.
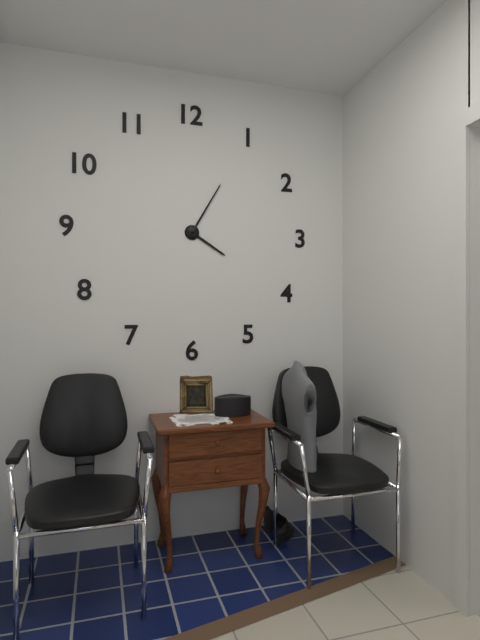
4:05
